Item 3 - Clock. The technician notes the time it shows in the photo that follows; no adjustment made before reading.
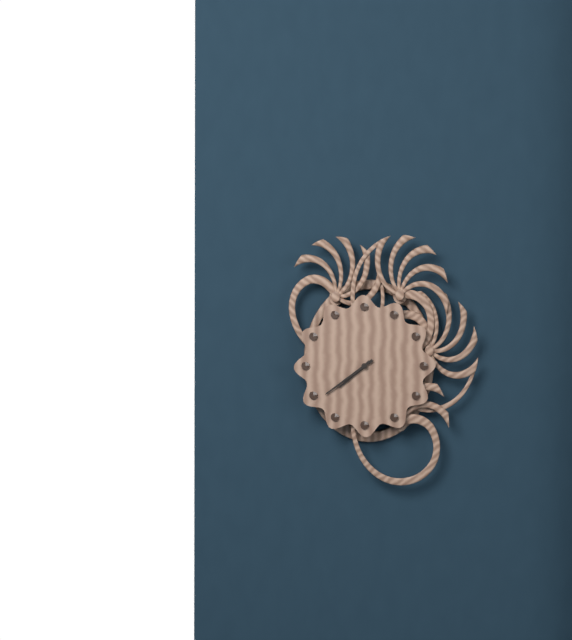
7:39
